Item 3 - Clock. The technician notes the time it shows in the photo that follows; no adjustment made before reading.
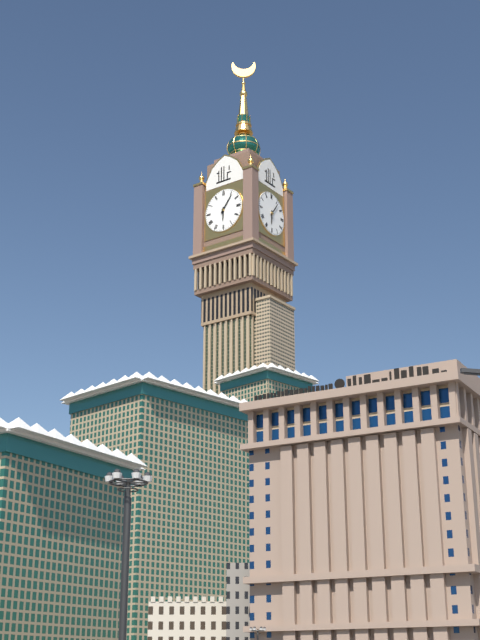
6:06
